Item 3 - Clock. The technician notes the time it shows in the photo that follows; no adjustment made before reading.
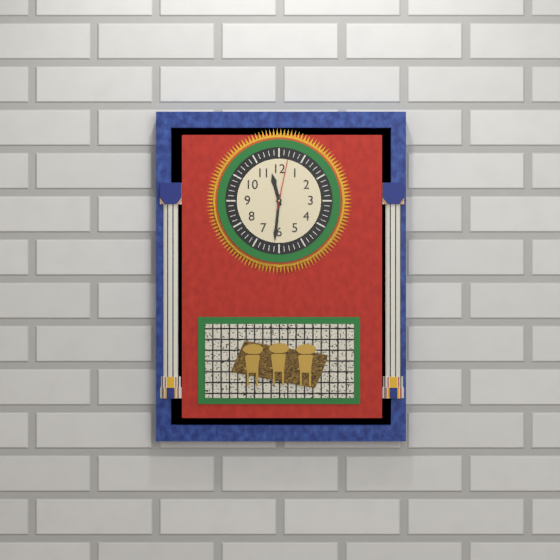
11:31:02
